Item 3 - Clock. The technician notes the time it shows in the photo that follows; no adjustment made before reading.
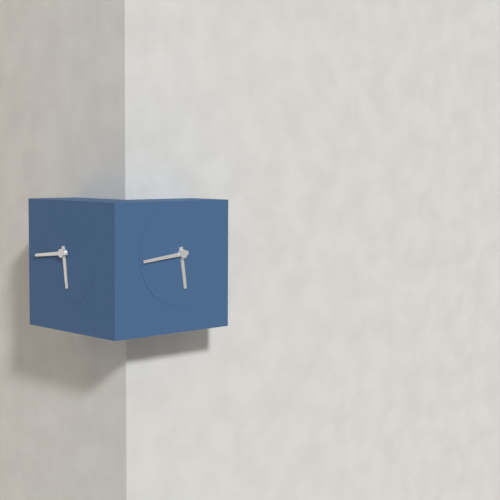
5:44
